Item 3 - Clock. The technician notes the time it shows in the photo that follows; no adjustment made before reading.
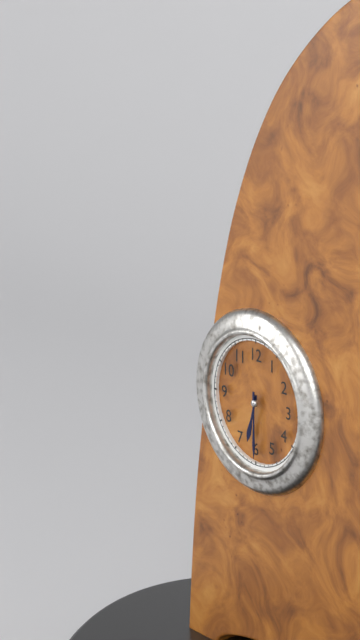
6:30
